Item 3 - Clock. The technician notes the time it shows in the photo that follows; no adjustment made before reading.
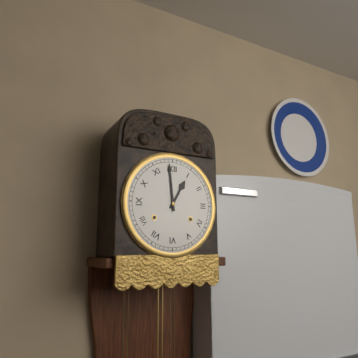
12:59
